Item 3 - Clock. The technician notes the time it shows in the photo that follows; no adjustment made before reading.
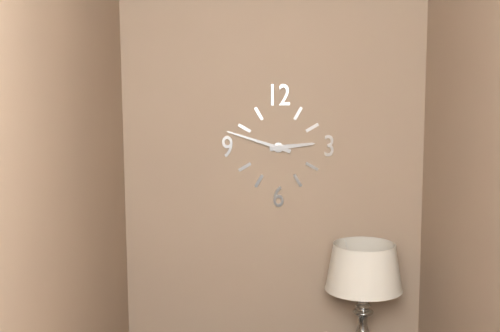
2:48
